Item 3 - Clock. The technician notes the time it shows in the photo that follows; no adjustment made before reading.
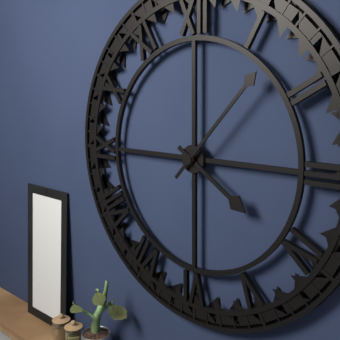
4:07
